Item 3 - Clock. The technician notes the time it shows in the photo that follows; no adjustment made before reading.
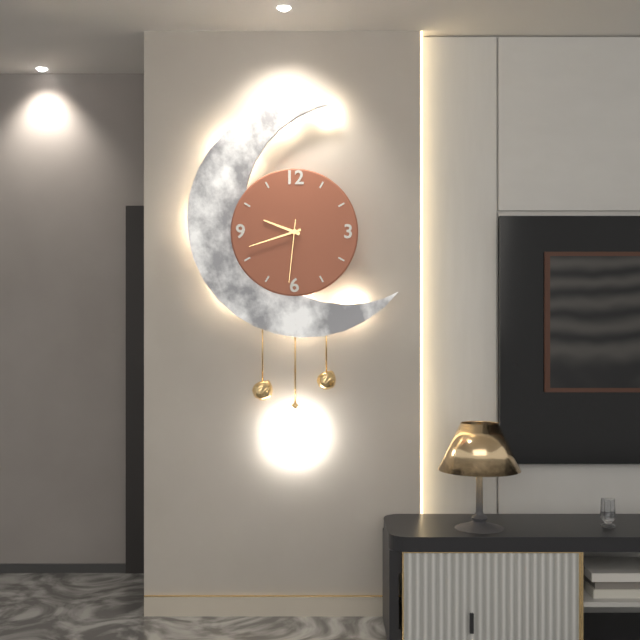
9:42:31
